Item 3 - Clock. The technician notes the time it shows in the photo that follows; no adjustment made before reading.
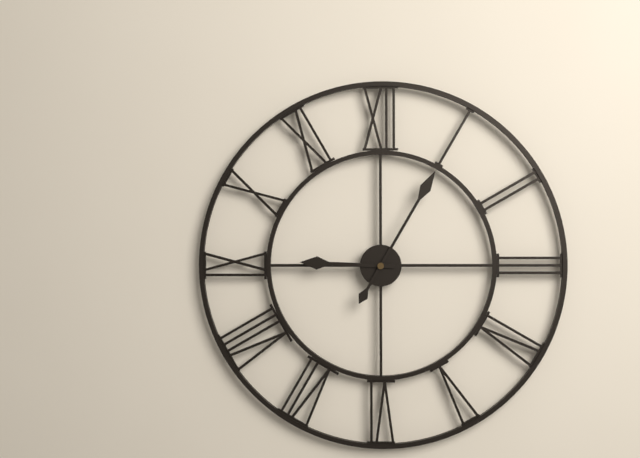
9:05
